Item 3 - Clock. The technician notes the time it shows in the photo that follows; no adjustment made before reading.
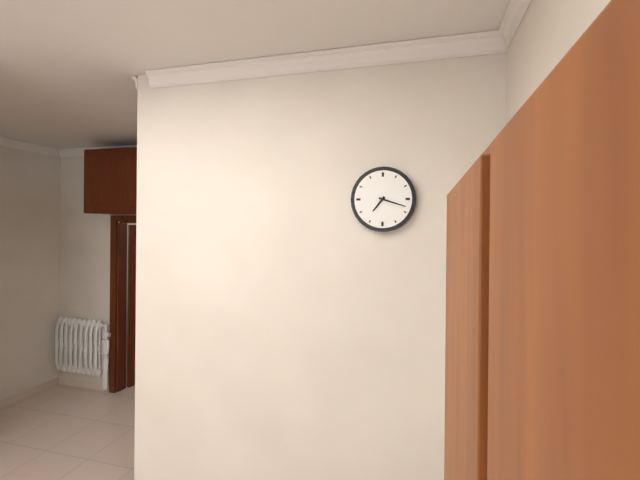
7:18
